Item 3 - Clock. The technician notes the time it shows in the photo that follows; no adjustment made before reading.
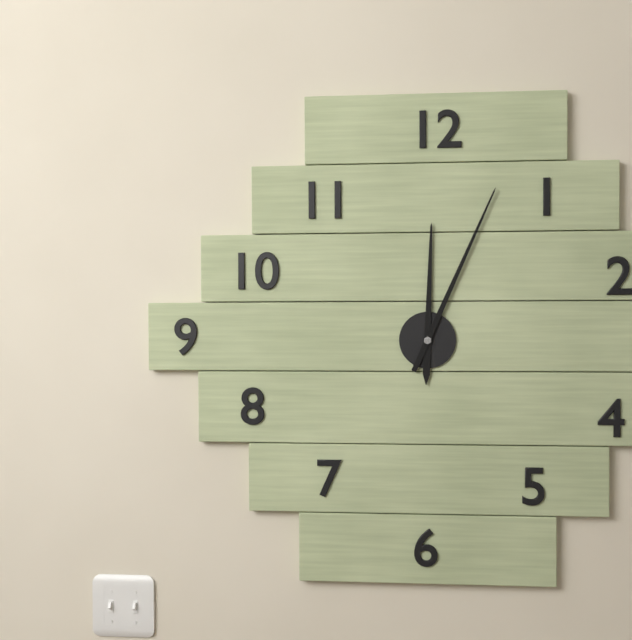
12:04
